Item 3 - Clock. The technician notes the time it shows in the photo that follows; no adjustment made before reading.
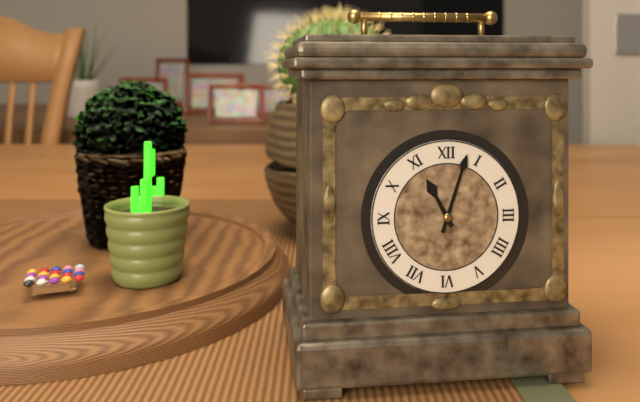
11:03
